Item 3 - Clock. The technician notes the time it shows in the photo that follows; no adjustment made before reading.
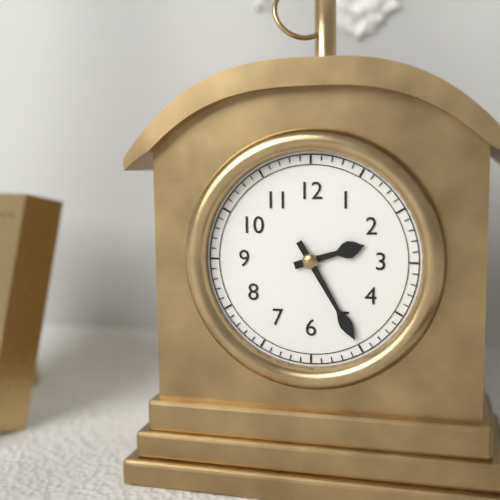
2:25
